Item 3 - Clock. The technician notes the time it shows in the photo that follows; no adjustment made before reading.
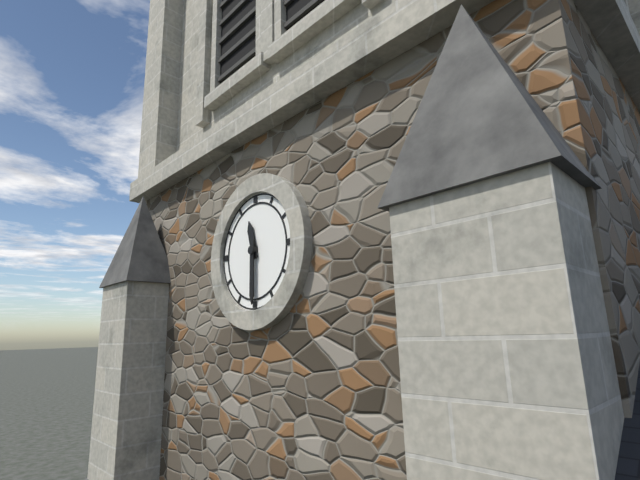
11:30
